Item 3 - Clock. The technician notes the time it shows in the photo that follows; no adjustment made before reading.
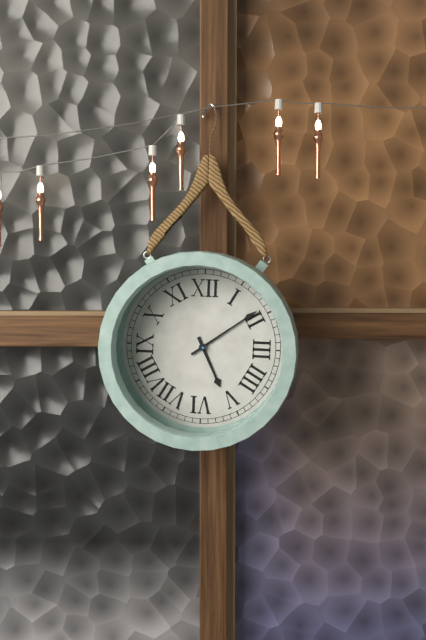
5:09
